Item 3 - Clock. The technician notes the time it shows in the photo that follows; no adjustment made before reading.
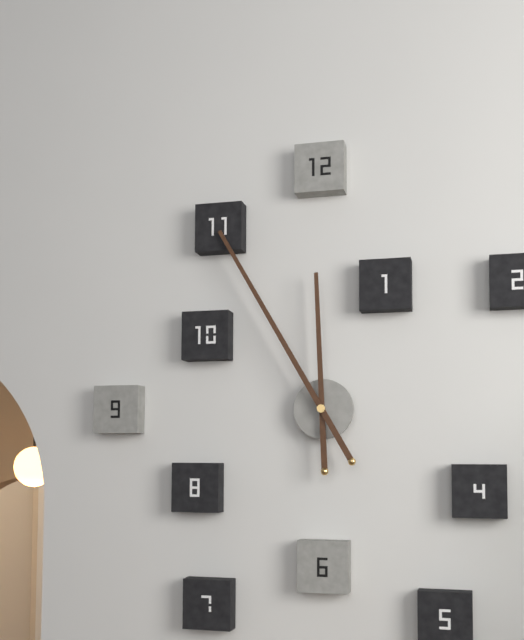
11:55
